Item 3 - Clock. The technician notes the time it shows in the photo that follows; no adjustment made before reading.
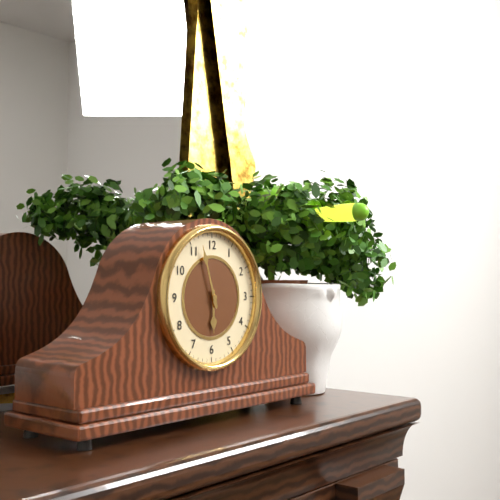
5:57
